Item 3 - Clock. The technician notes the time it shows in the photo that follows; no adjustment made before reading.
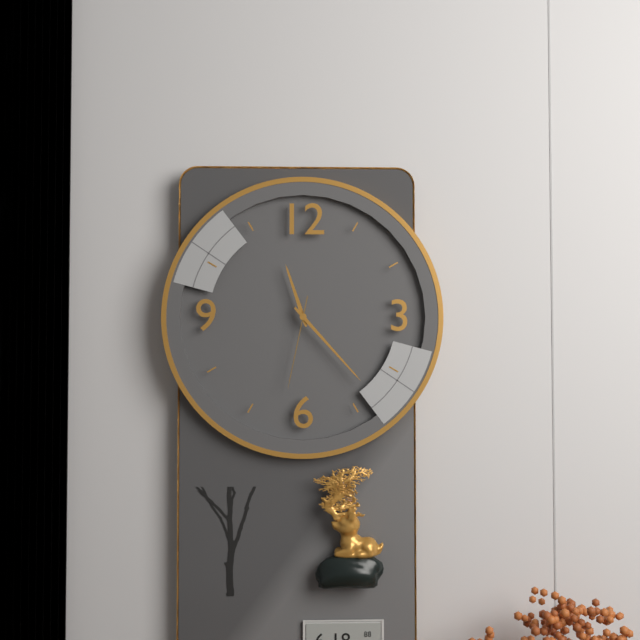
11:23:32
